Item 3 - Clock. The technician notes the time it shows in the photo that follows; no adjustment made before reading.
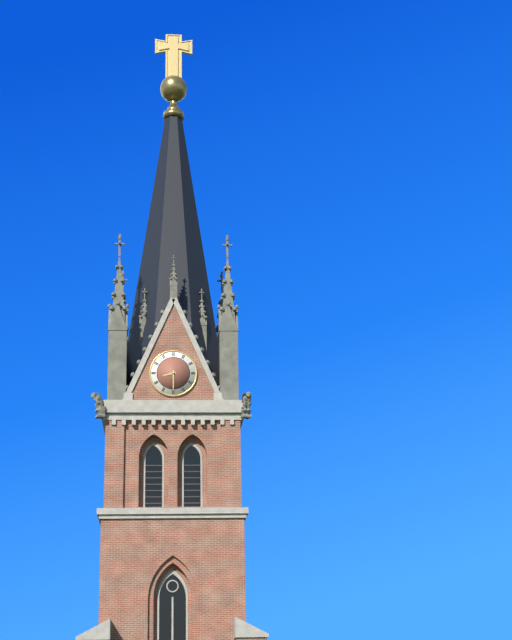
8:30
